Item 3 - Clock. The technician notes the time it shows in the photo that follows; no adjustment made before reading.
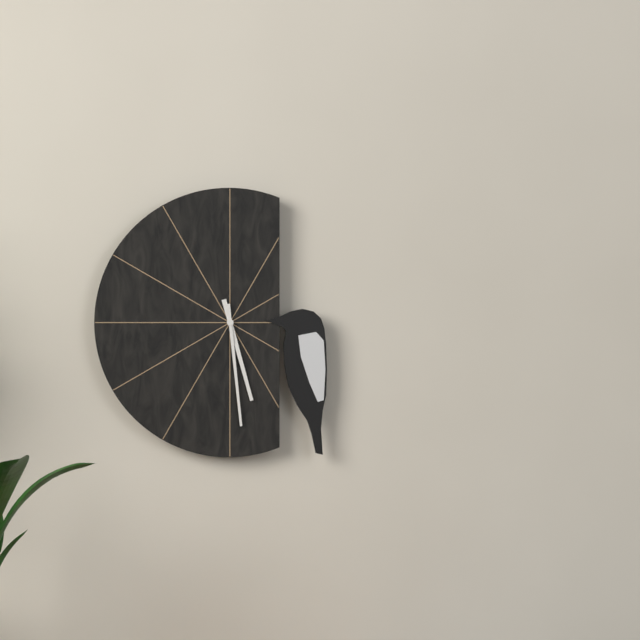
5:29
